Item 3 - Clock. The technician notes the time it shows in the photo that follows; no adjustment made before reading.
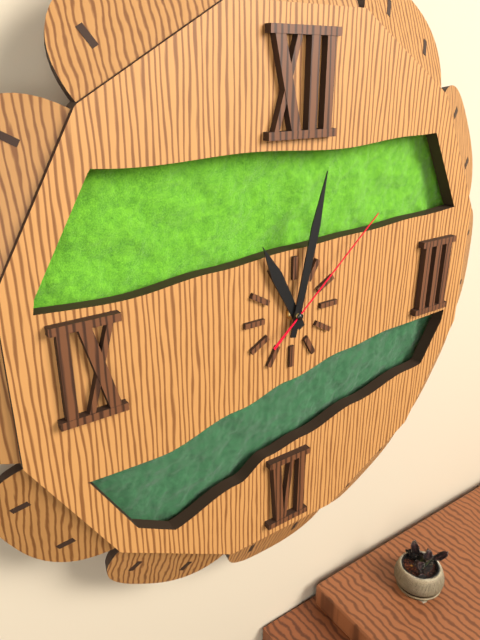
11:02:08
